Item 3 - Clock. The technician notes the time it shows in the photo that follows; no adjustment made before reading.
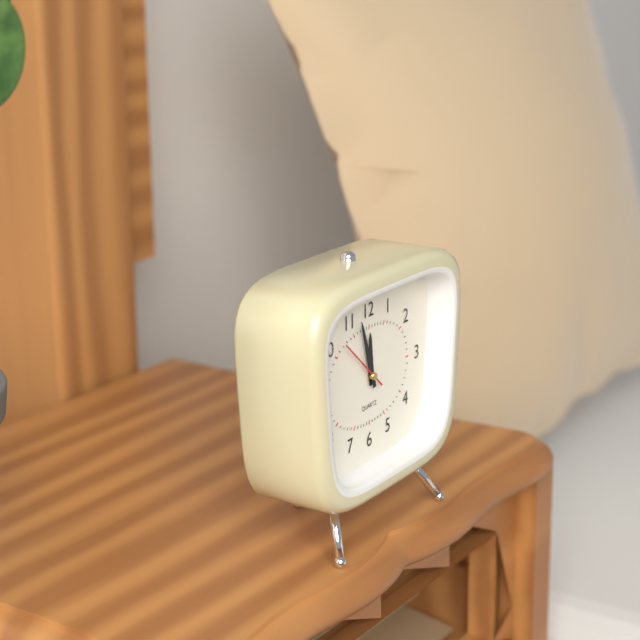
11:57:52
